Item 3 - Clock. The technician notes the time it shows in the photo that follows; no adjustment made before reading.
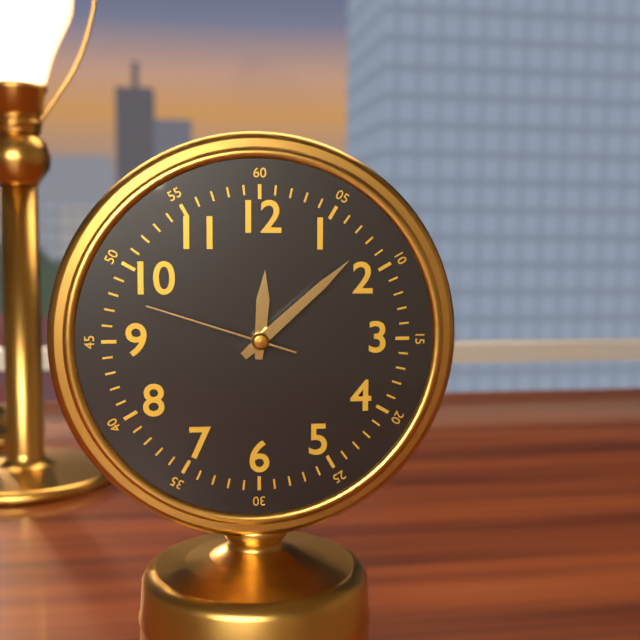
12:08:48
